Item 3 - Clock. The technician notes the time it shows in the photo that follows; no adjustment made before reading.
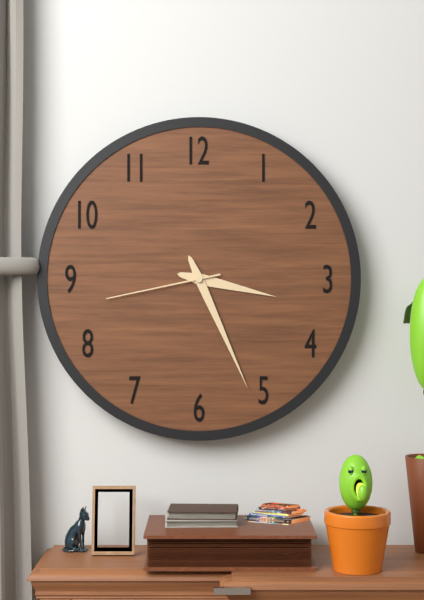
3:26:43
